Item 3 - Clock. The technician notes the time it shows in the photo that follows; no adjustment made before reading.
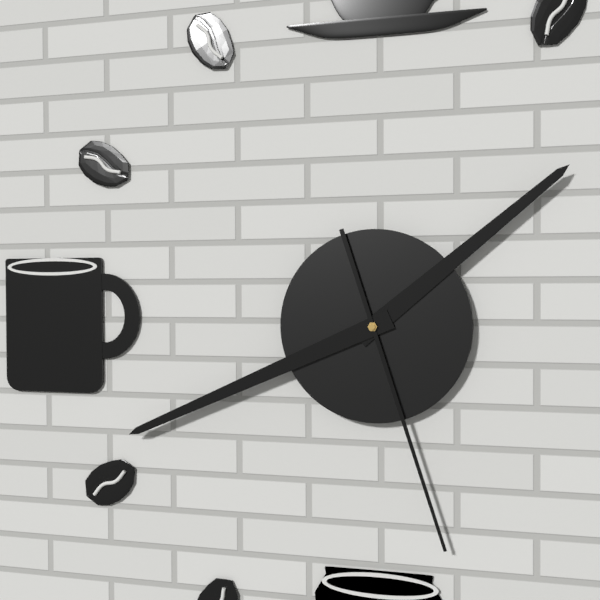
1:41:27
